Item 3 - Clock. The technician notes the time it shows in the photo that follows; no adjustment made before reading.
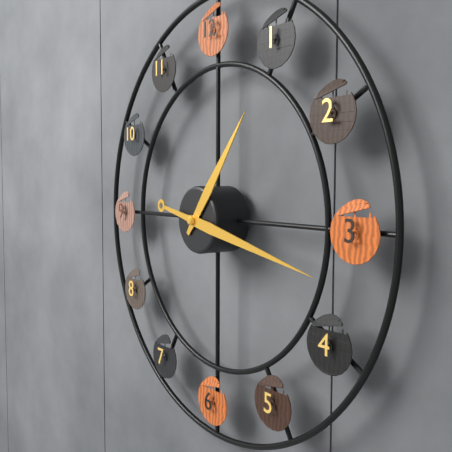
1:17
